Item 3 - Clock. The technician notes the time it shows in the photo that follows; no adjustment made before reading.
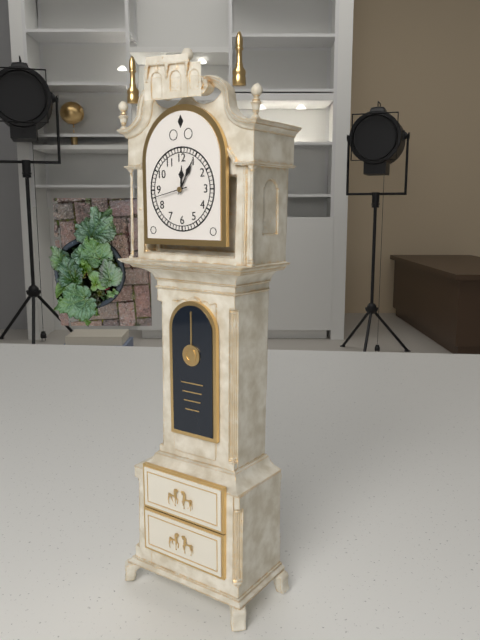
12:05
